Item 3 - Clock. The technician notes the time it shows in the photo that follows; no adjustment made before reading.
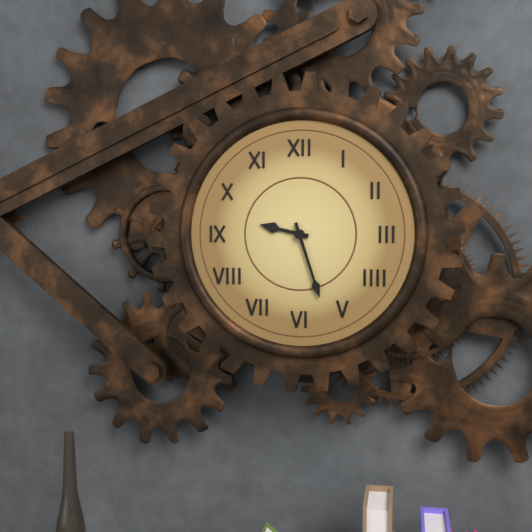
9:27
